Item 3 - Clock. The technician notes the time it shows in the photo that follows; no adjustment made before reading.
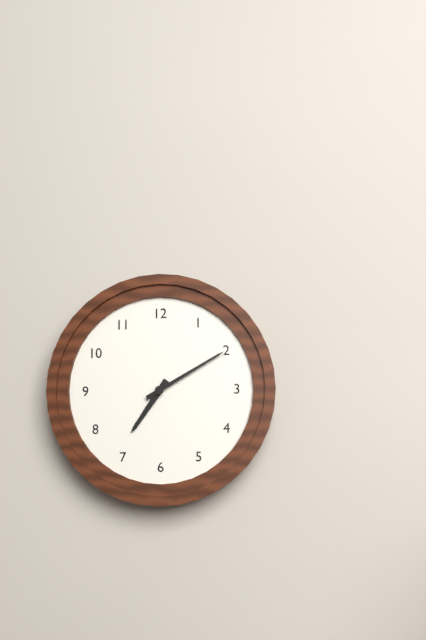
7:10
